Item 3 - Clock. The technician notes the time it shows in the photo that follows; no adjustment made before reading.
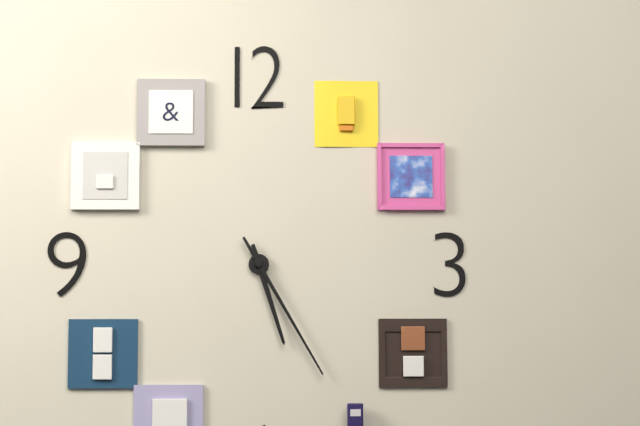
5:25
